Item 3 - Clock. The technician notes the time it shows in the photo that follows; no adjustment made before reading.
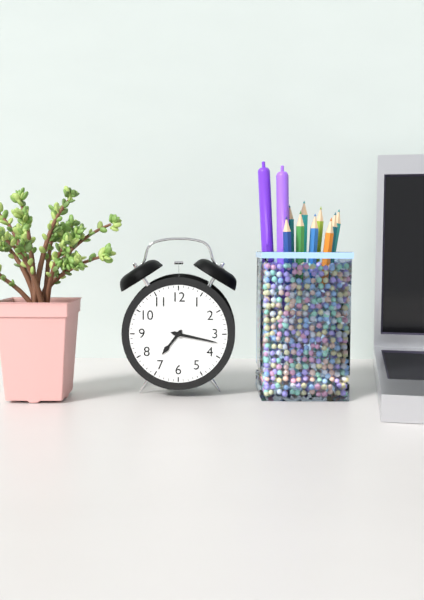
7:17
